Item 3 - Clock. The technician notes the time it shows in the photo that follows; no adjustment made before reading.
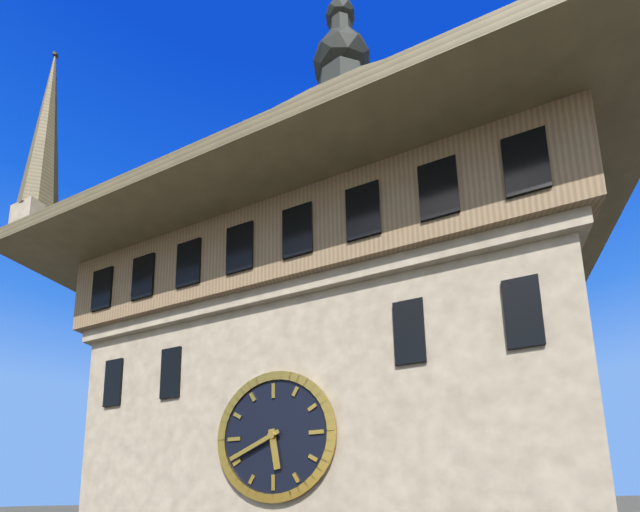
5:41
